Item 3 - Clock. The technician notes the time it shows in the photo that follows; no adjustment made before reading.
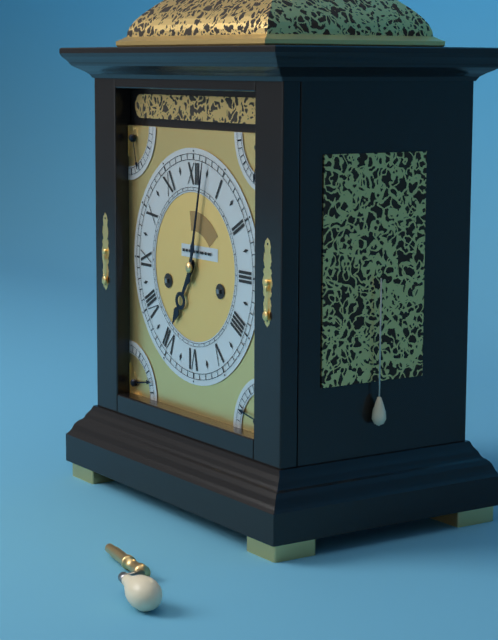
7:02
